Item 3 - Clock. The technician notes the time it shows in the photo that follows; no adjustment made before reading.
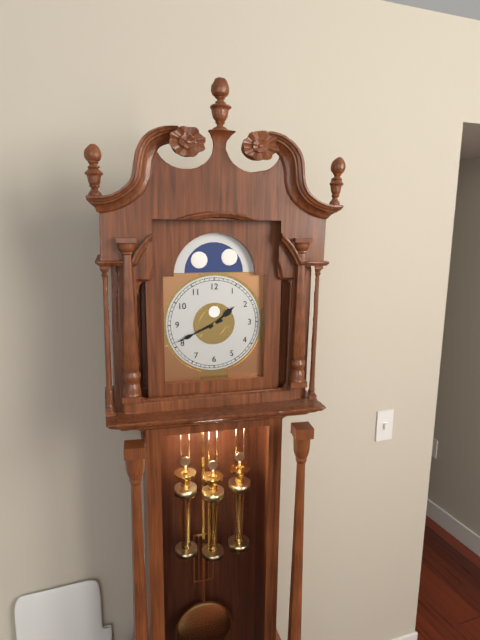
1:41
